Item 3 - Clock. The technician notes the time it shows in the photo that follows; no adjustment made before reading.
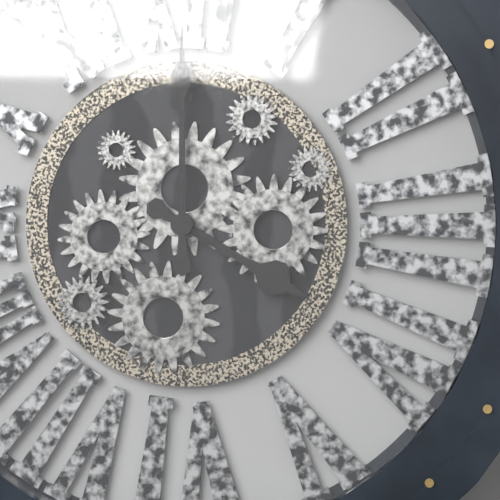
4:00
